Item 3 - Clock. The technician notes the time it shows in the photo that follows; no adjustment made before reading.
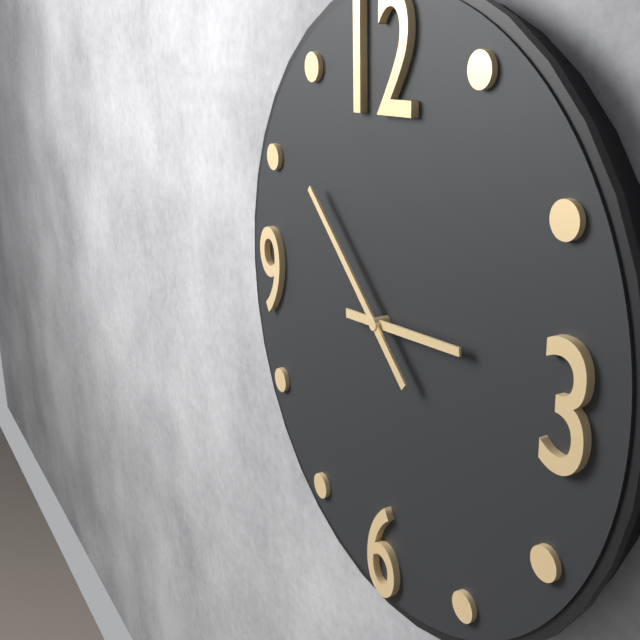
2:52
